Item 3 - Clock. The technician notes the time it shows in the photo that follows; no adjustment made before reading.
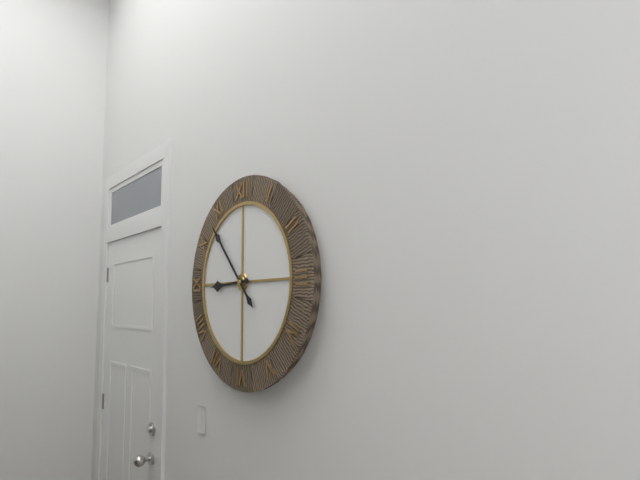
8:53
